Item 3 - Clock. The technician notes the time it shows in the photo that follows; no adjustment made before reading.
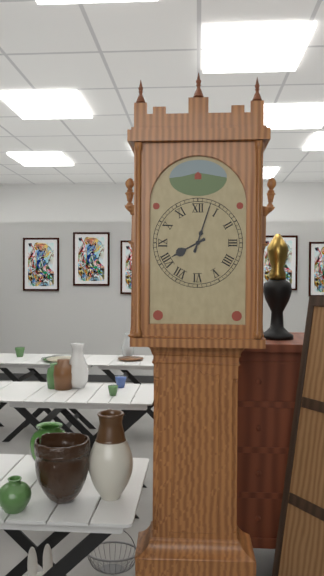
8:03
